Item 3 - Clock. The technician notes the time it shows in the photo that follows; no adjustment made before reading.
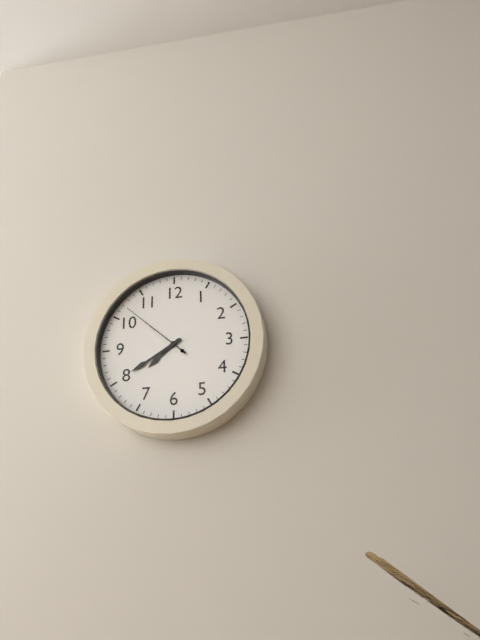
7:40:52
